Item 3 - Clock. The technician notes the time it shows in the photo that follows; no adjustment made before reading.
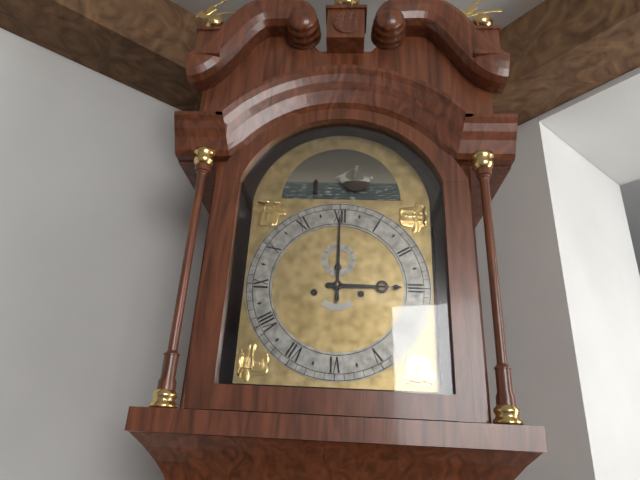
3:00
